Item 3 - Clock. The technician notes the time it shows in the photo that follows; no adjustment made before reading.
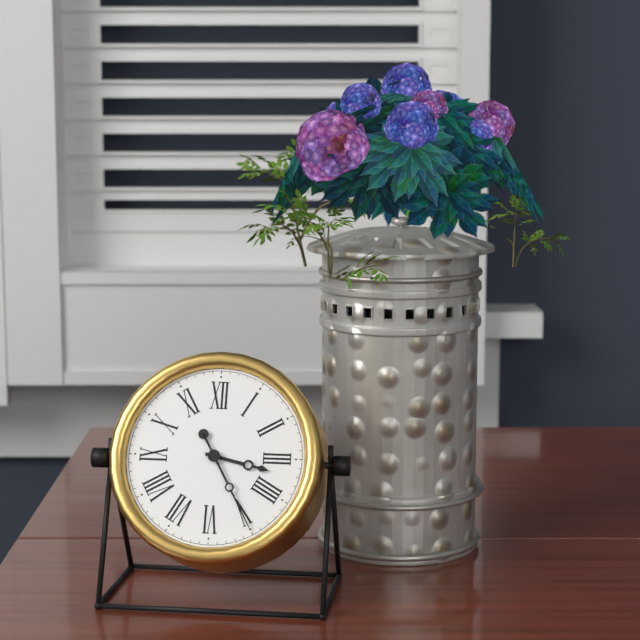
3:25
